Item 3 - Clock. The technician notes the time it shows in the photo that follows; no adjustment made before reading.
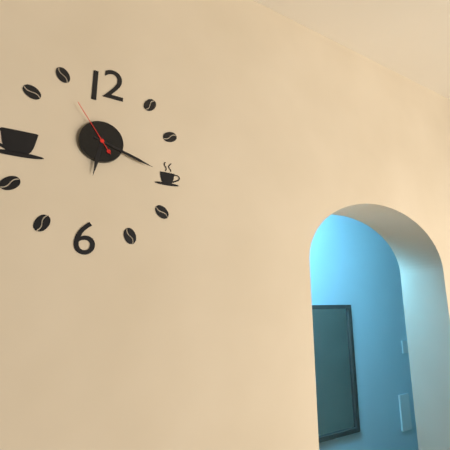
6:18:54
